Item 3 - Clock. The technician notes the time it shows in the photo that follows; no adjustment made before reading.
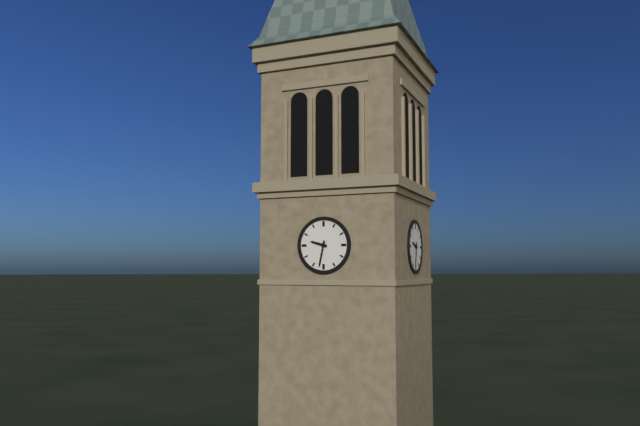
9:32
